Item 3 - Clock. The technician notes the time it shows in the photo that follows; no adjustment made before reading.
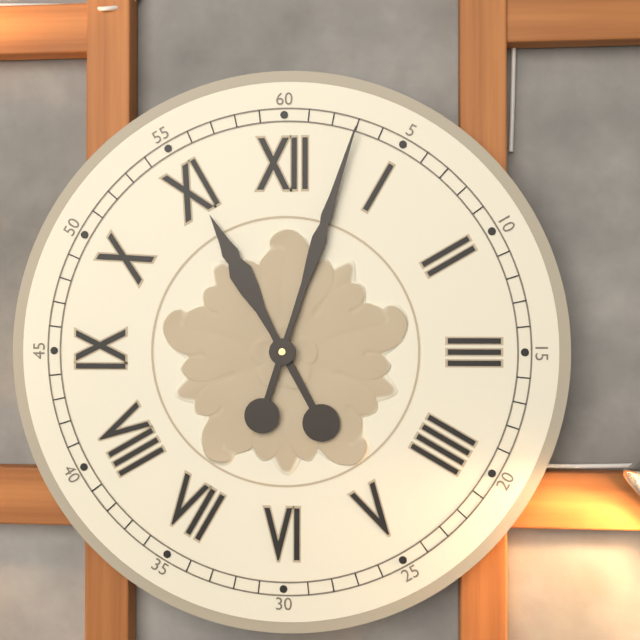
11:03
